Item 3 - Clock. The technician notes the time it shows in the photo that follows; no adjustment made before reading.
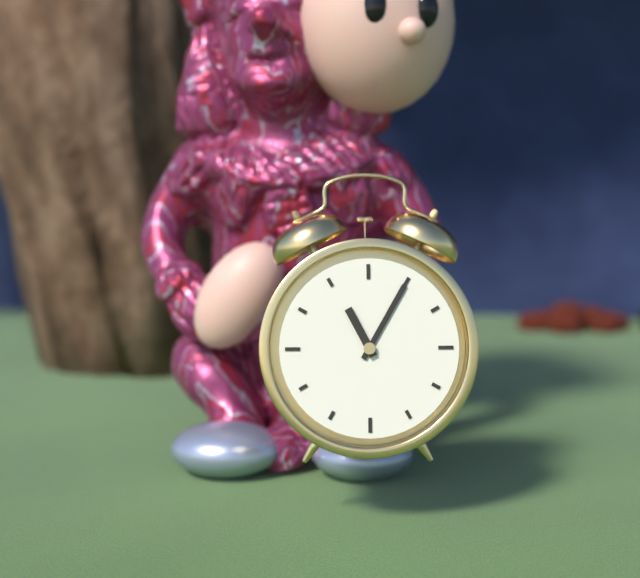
11:05
